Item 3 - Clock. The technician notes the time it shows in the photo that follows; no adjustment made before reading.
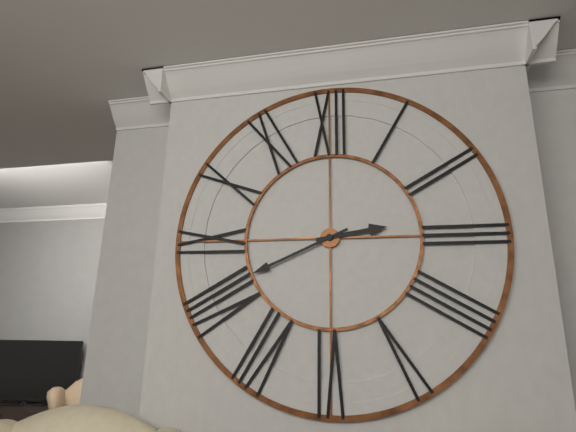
2:41
